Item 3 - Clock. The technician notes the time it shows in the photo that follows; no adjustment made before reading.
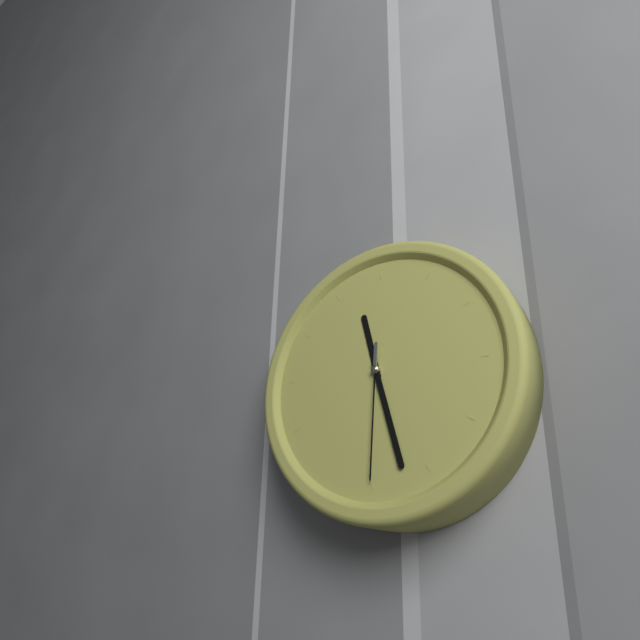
11:27:30
